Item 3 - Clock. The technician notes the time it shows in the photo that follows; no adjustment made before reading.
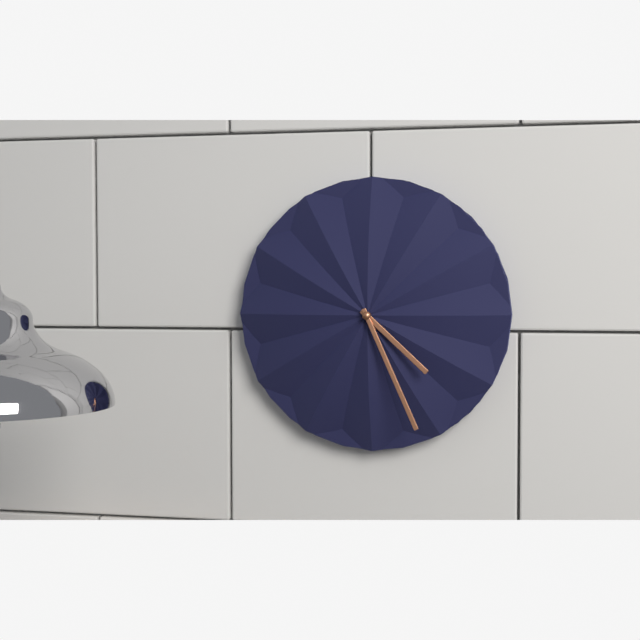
4:26
